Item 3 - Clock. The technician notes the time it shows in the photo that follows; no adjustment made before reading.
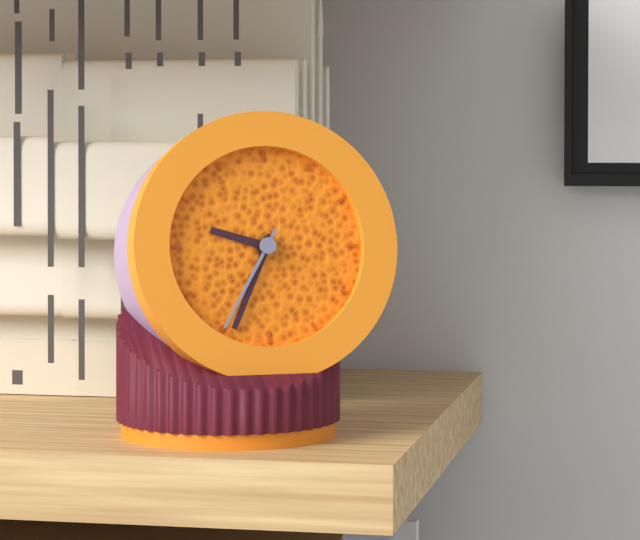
9:34:35
